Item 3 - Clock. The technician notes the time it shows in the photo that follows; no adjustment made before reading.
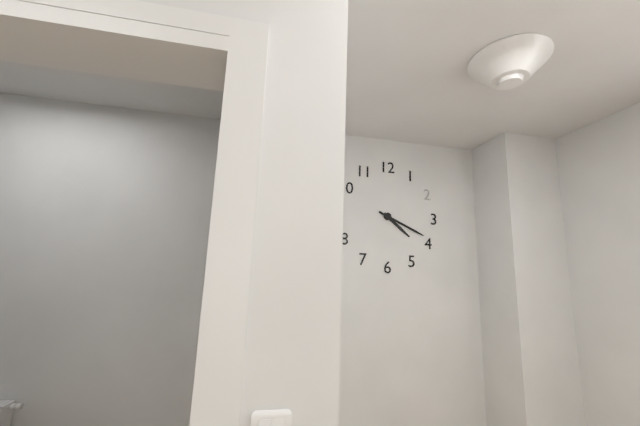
4:19
